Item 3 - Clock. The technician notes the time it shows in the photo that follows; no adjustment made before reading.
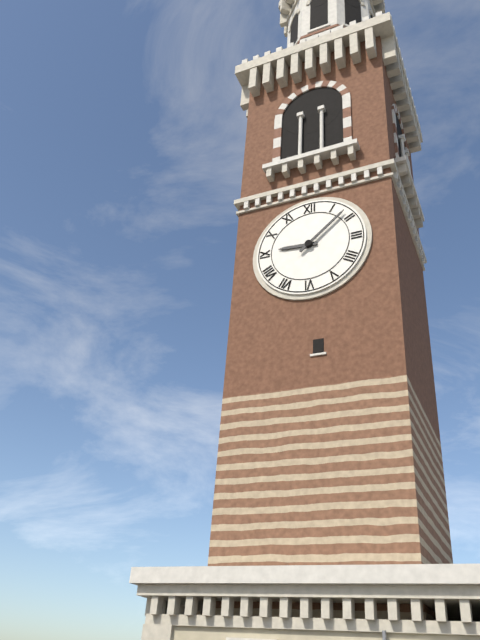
9:08
